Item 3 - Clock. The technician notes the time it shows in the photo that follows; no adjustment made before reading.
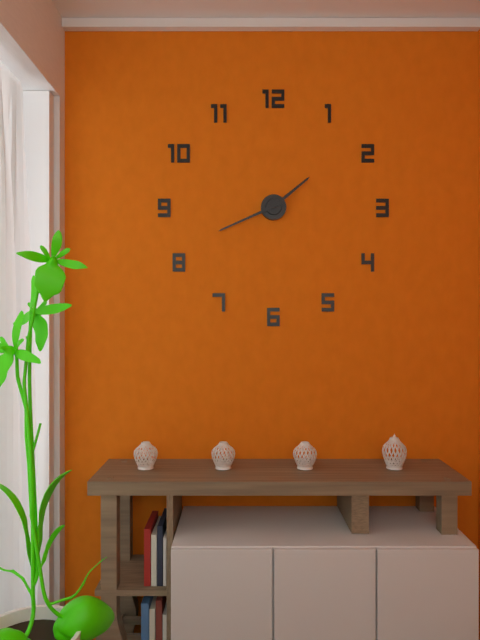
1:41
